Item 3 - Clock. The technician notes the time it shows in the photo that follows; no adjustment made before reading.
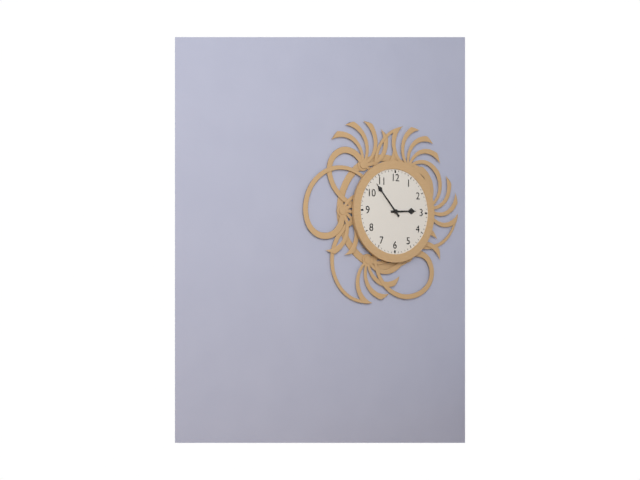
2:53
